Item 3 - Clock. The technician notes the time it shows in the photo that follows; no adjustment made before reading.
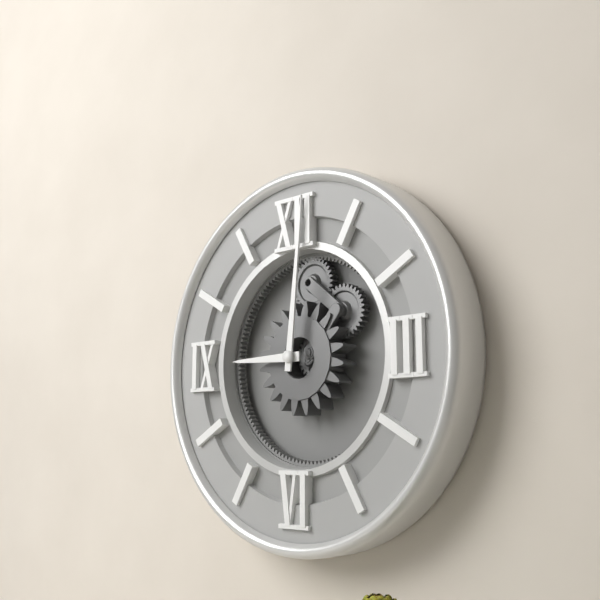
9:01
